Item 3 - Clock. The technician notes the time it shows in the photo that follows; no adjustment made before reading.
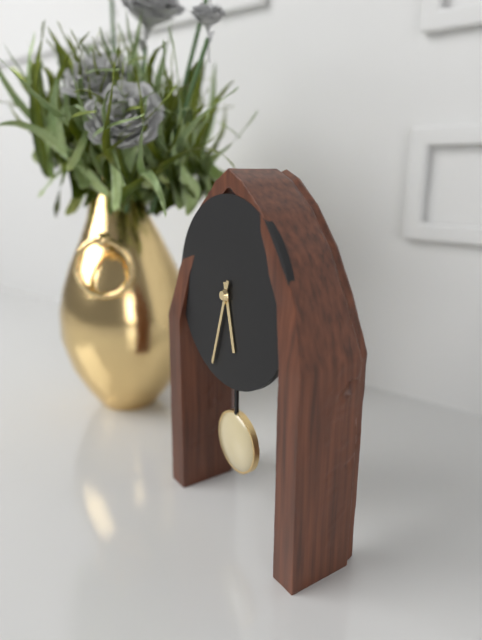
5:33
